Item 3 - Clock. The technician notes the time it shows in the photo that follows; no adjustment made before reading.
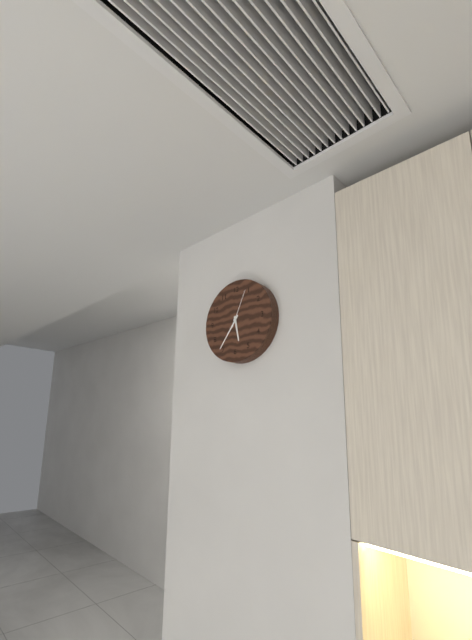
5:36
